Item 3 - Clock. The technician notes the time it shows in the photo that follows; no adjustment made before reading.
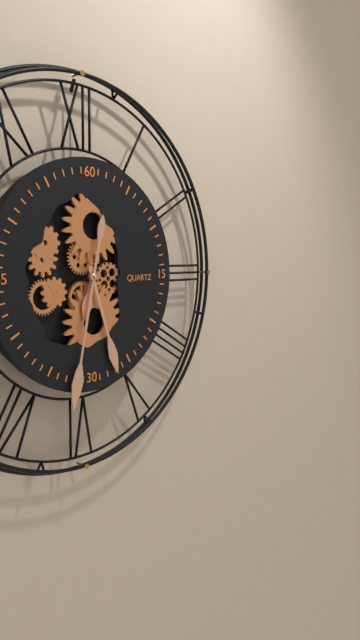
6:27:32
